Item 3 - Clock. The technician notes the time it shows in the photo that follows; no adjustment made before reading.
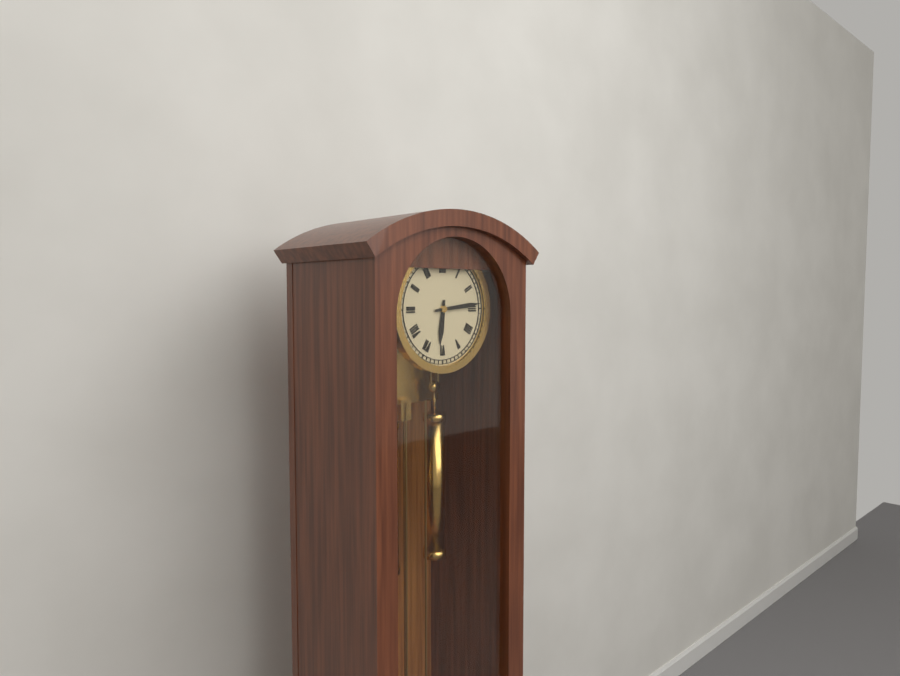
6:14
